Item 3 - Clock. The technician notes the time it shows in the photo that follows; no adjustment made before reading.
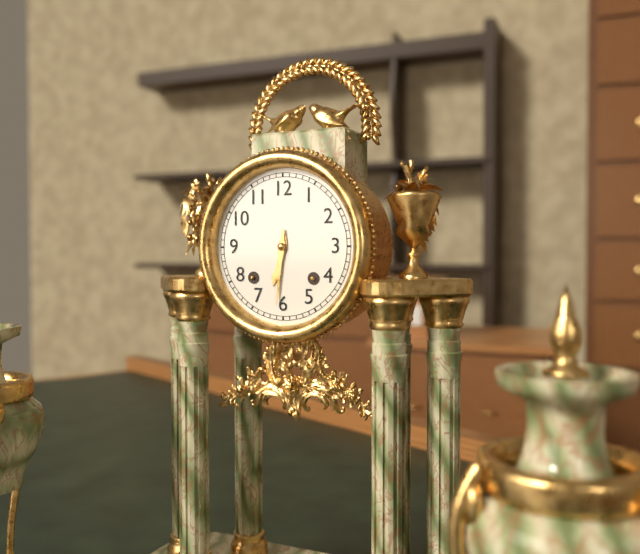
6:31
